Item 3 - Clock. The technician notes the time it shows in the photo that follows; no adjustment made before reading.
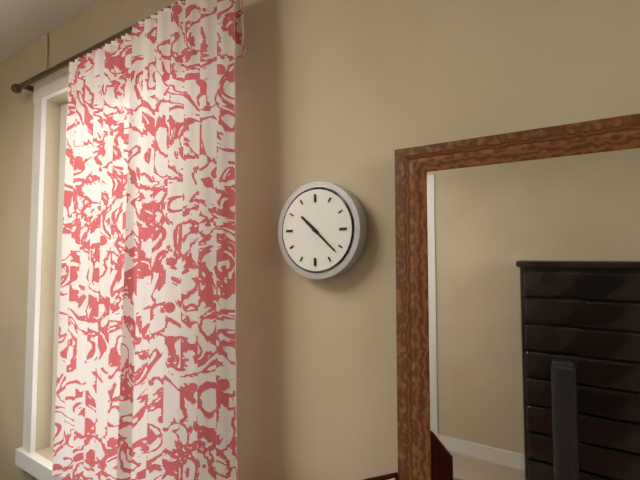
10:22
